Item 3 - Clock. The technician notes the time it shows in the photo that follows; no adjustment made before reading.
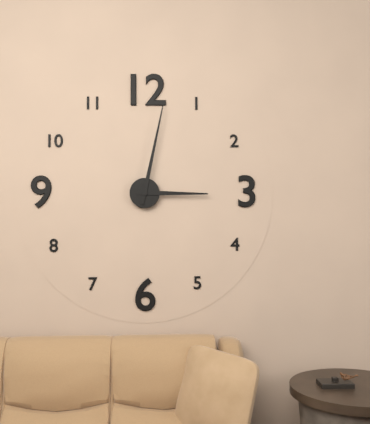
3:02
